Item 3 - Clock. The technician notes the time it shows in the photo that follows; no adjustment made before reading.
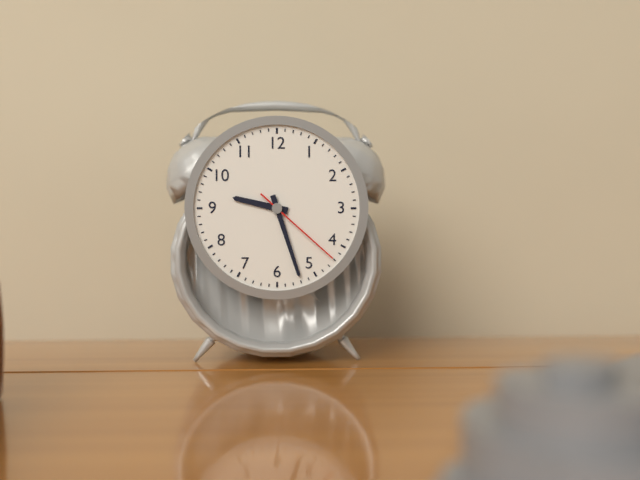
9:27:22
